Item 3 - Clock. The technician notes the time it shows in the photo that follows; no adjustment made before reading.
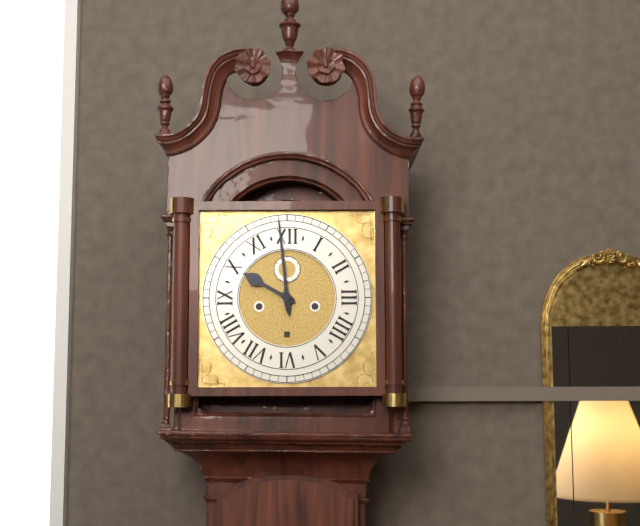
9:59
